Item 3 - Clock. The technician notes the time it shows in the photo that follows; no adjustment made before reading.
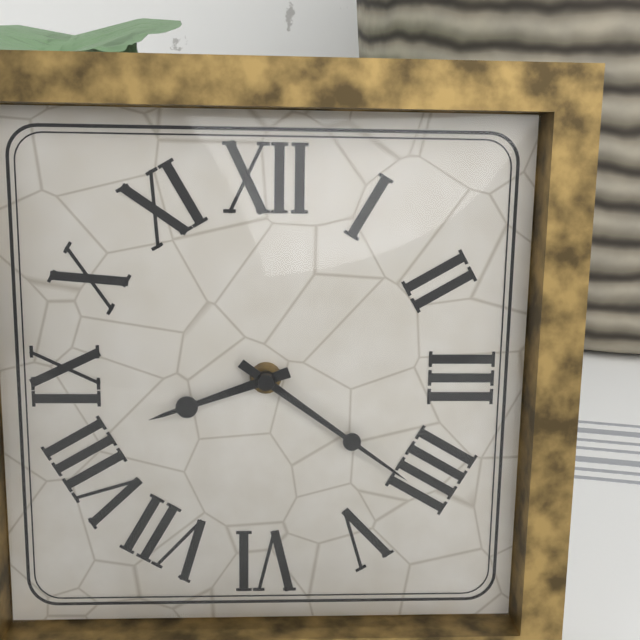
8:21
